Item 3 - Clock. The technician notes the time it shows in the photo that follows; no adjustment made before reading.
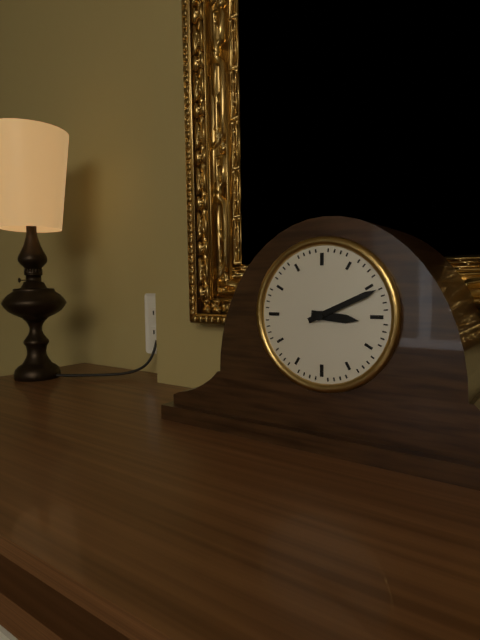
3:11
